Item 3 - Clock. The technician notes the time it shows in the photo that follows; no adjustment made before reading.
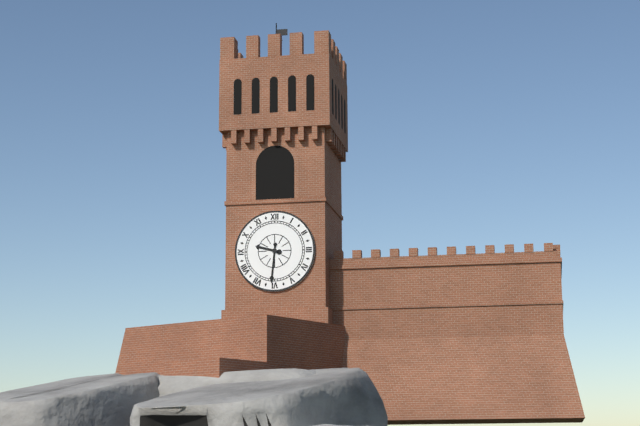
9:31
